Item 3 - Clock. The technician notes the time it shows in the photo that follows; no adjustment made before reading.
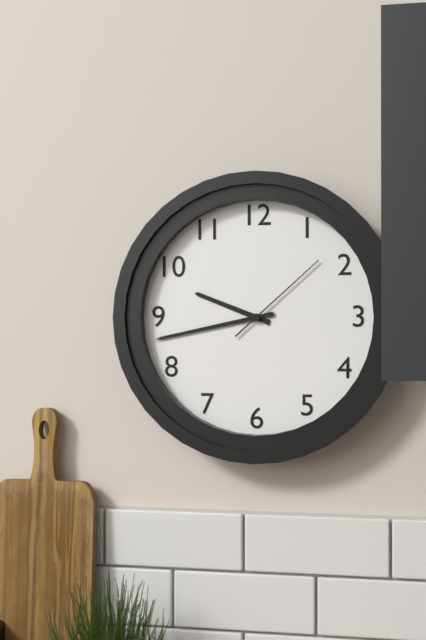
9:43:08
